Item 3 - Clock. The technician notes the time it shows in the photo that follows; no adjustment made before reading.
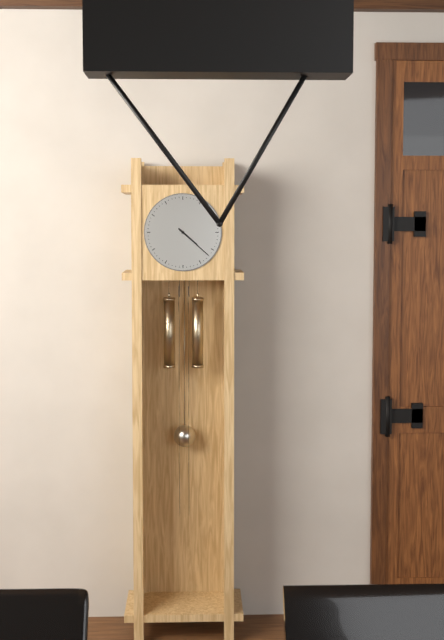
4:22
